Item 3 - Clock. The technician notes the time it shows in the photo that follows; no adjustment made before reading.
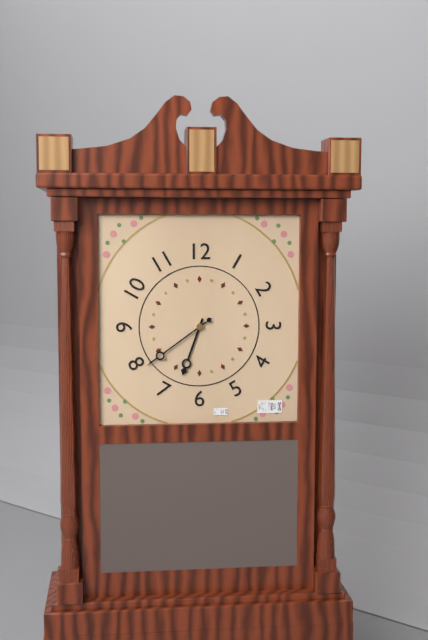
6:39
